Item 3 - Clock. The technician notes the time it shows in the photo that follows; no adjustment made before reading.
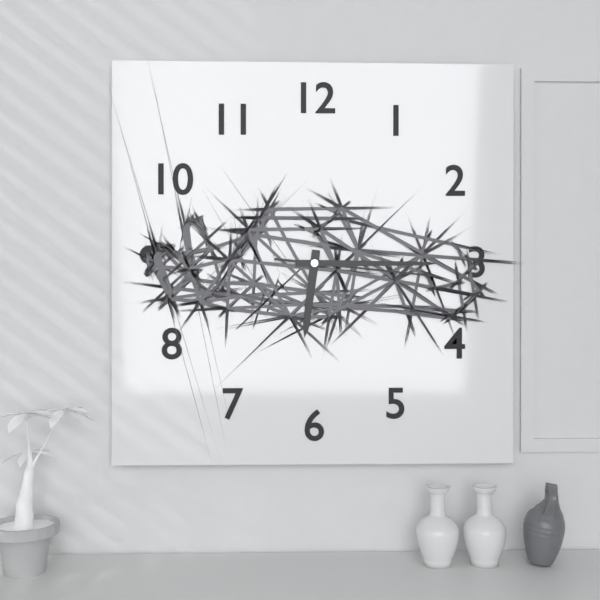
6:15:16
